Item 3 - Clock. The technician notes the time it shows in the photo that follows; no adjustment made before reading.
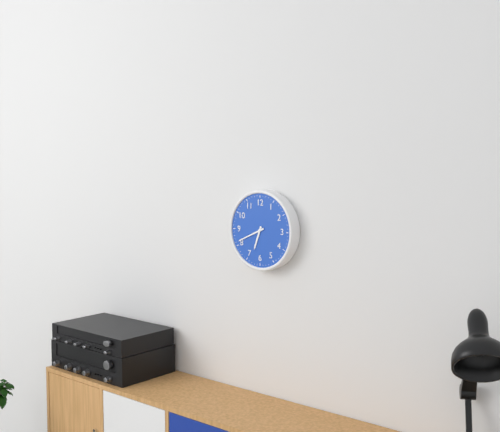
6:41
